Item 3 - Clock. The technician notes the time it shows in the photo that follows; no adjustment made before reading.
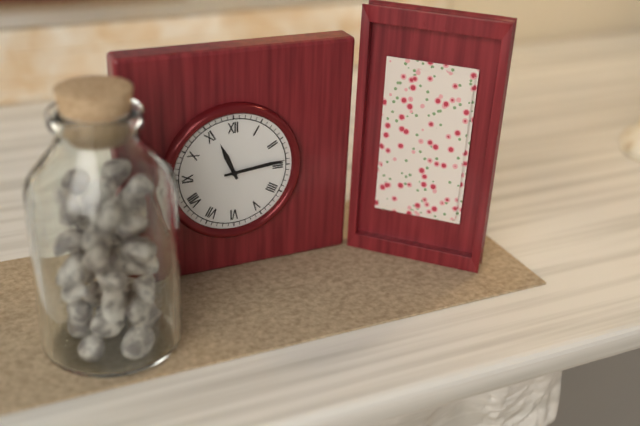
11:14
